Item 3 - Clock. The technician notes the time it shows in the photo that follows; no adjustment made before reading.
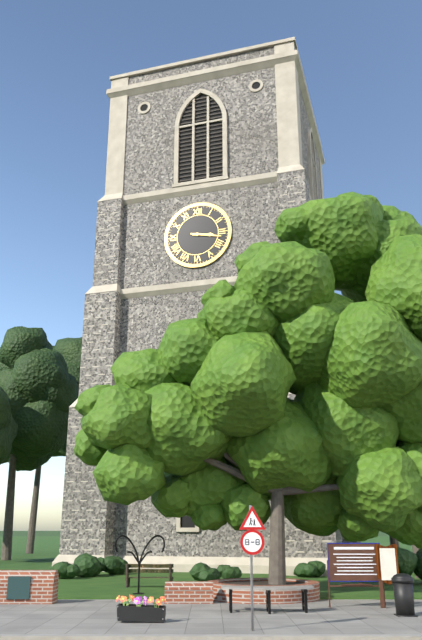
3:17
